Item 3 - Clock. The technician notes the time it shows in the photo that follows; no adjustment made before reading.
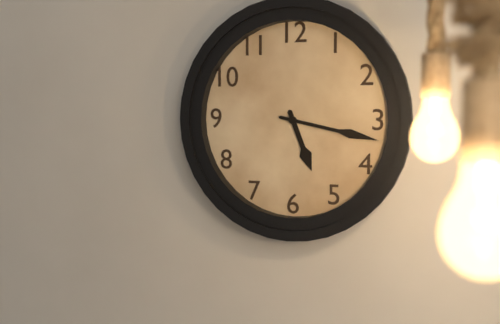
5:17
